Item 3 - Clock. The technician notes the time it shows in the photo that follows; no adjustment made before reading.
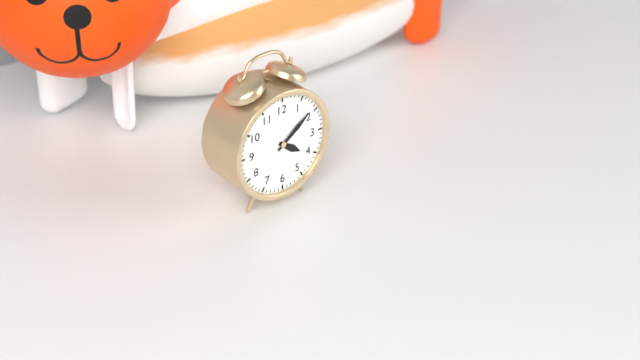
4:09
